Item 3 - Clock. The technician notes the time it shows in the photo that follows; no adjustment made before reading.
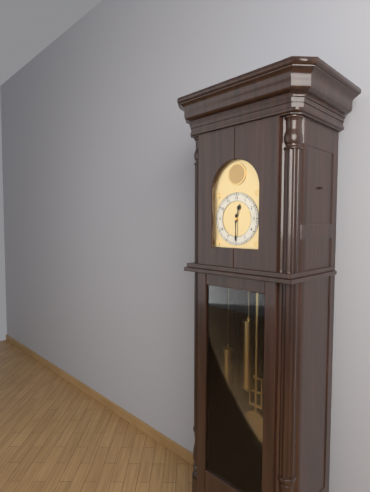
12:30
